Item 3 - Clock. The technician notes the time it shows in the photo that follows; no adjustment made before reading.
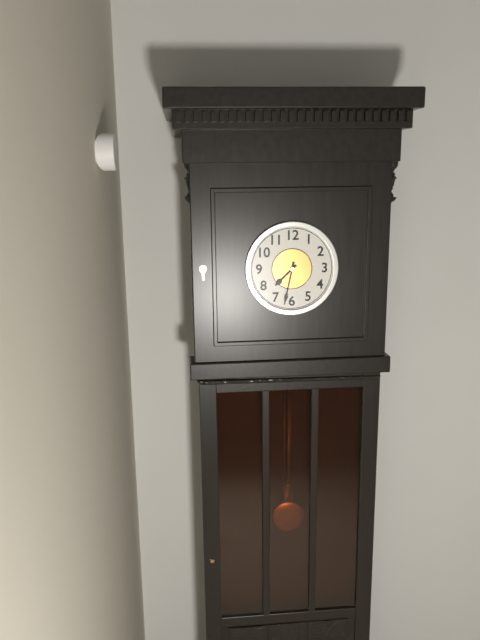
7:32
